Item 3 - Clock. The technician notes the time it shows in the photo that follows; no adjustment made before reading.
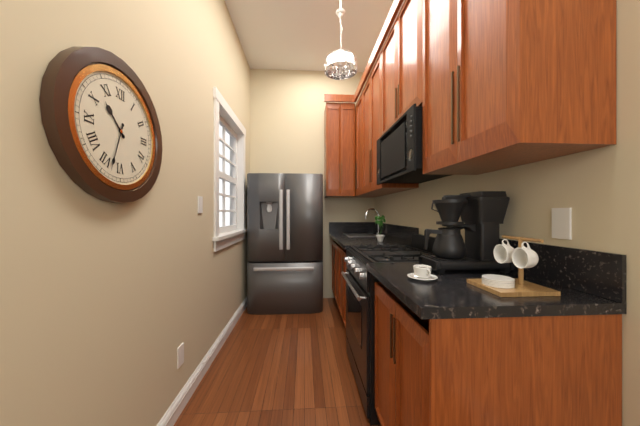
10:33
